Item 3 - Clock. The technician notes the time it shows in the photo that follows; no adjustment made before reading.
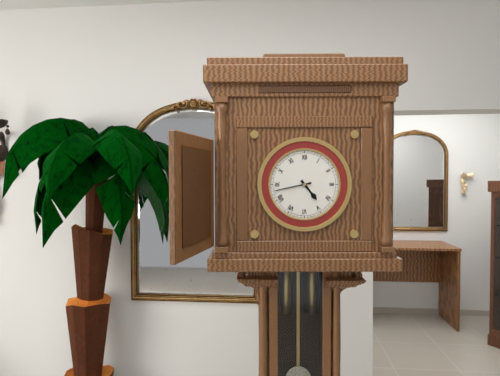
4:43
